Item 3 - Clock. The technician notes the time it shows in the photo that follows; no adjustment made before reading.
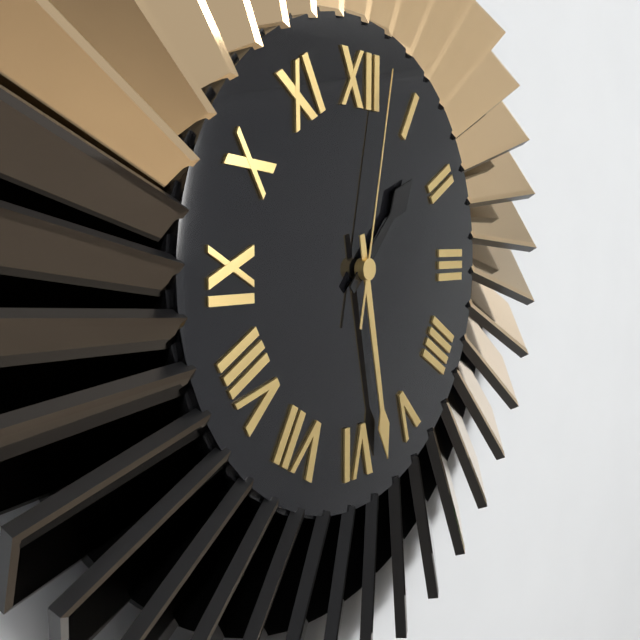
1:28:02
